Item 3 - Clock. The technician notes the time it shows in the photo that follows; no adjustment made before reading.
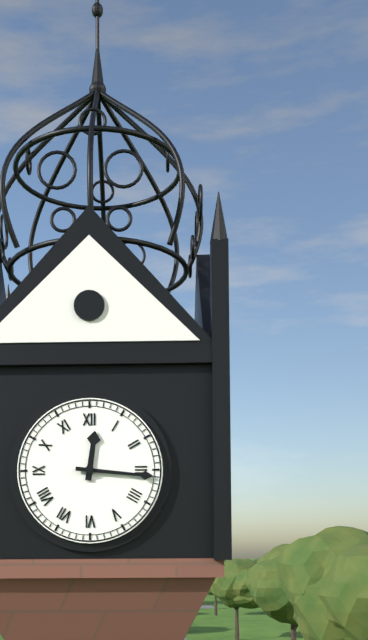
12:16
